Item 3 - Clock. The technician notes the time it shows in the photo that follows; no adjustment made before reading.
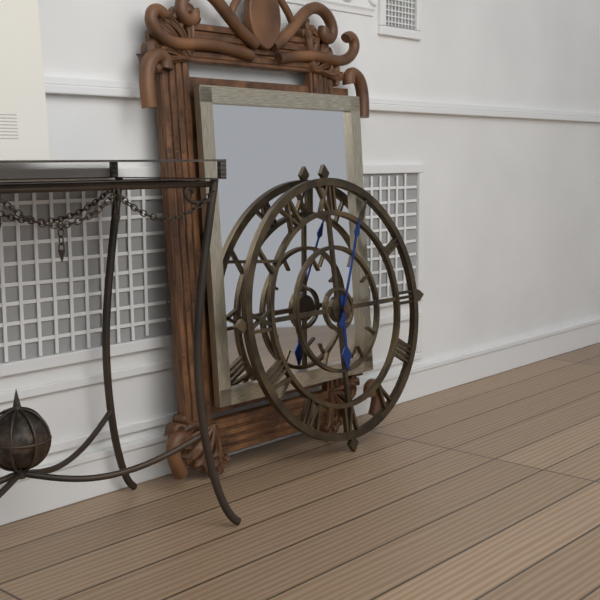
6:04
